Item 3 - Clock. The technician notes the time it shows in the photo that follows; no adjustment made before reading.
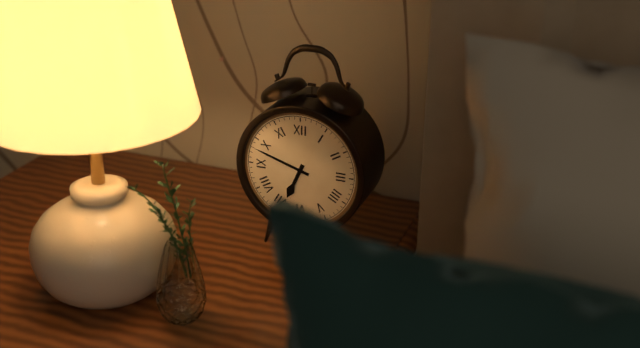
6:48
